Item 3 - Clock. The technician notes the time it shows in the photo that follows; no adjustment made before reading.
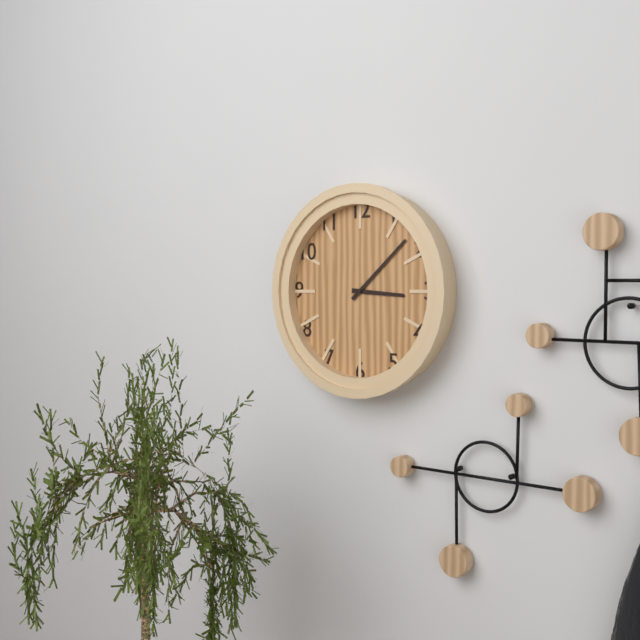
3:08
